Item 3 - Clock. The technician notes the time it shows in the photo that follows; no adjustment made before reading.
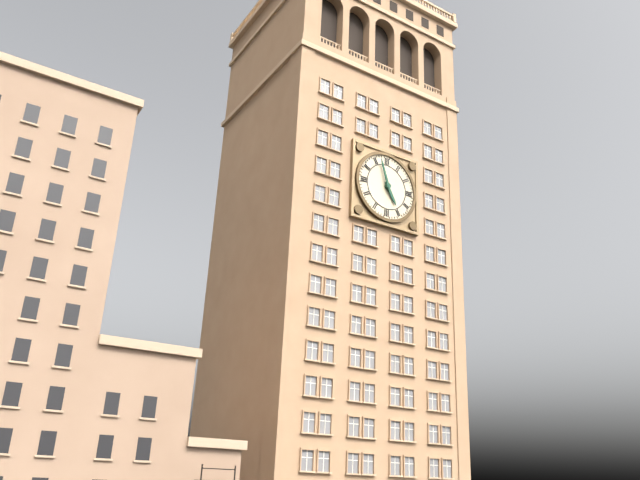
4:57
